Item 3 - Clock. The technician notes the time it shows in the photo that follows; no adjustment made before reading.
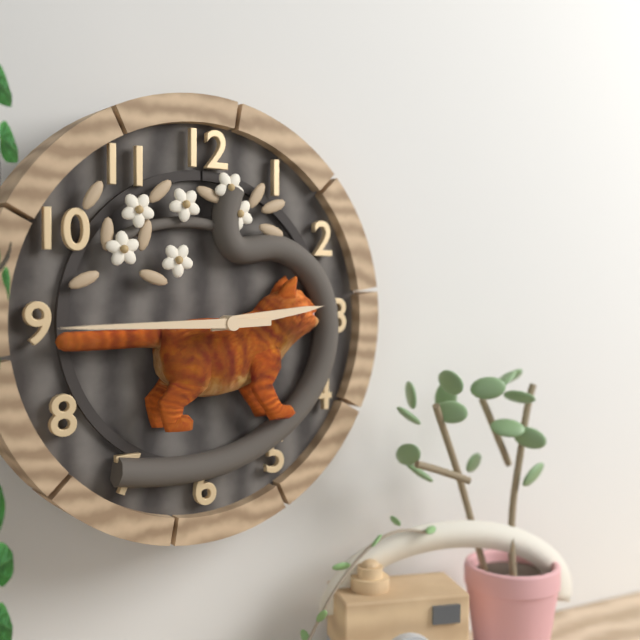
2:45
